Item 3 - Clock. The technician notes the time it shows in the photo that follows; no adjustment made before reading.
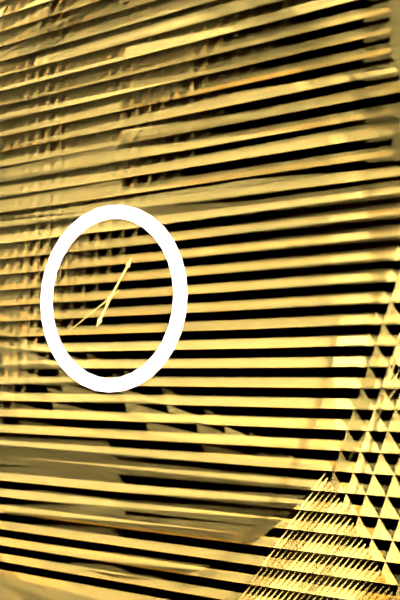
7:06:40
